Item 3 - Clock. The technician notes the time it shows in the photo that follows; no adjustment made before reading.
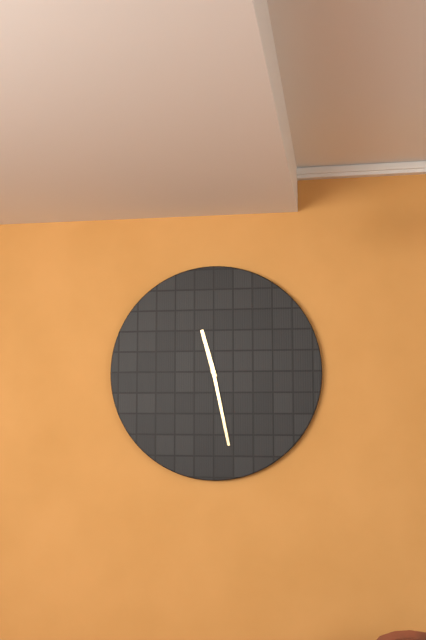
11:28
